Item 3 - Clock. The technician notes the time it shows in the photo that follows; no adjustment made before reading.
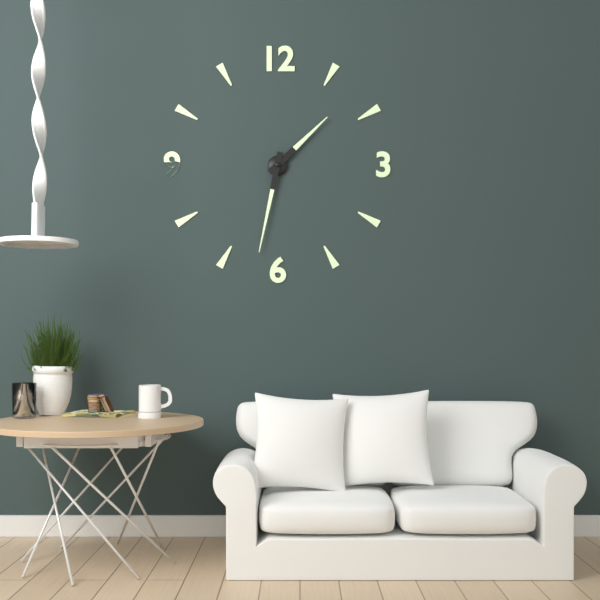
1:32
